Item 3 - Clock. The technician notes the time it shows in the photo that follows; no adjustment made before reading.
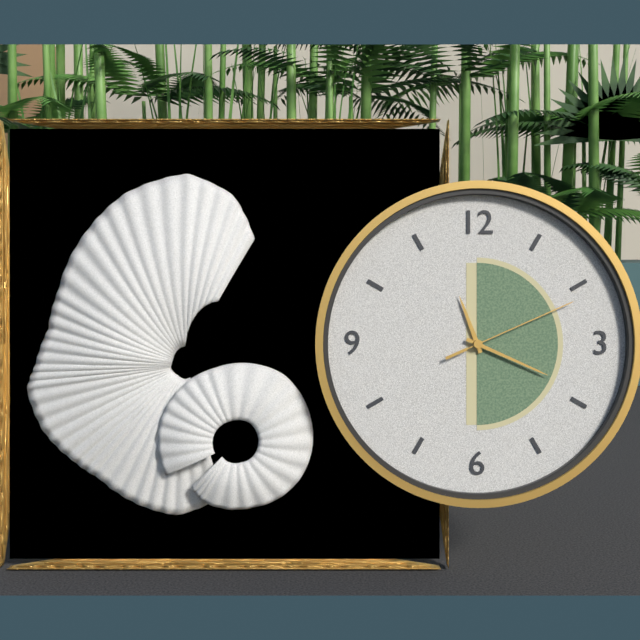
11:19:11
